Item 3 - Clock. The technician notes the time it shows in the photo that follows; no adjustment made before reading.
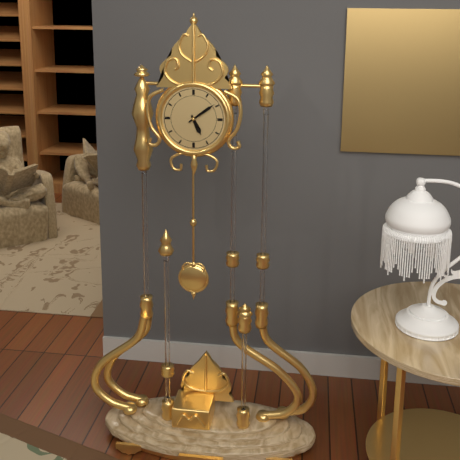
5:09
